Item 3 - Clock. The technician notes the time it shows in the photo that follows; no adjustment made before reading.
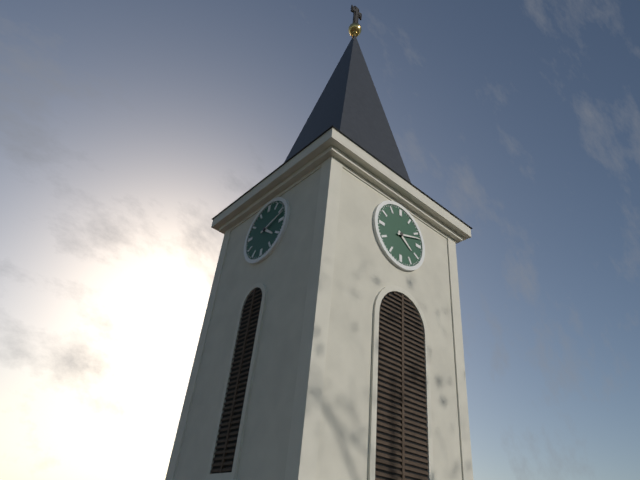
4:12
